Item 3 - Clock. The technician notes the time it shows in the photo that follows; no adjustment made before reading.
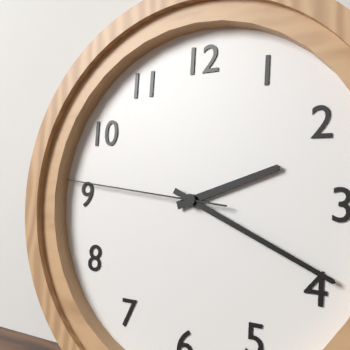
2:19:46
